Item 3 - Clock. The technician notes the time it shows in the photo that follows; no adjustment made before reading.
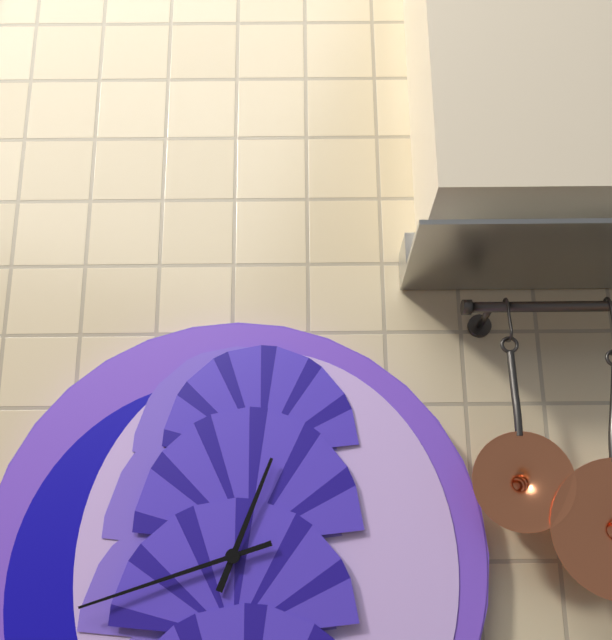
12:42
